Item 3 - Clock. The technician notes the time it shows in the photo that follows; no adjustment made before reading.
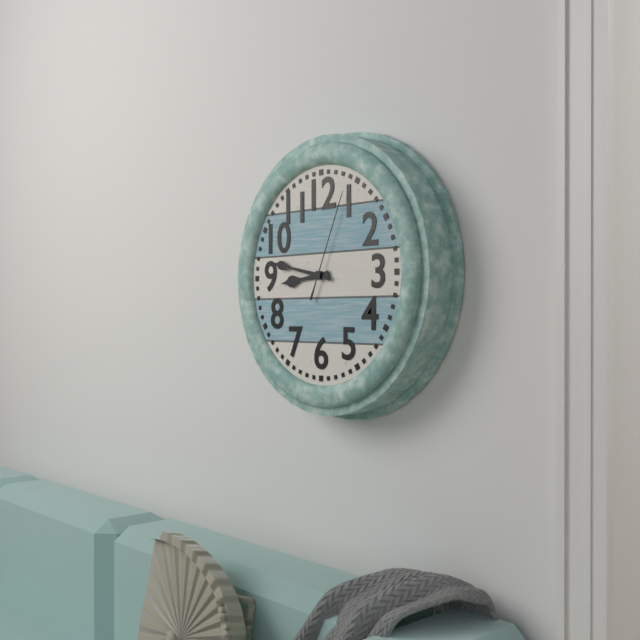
8:47:04
